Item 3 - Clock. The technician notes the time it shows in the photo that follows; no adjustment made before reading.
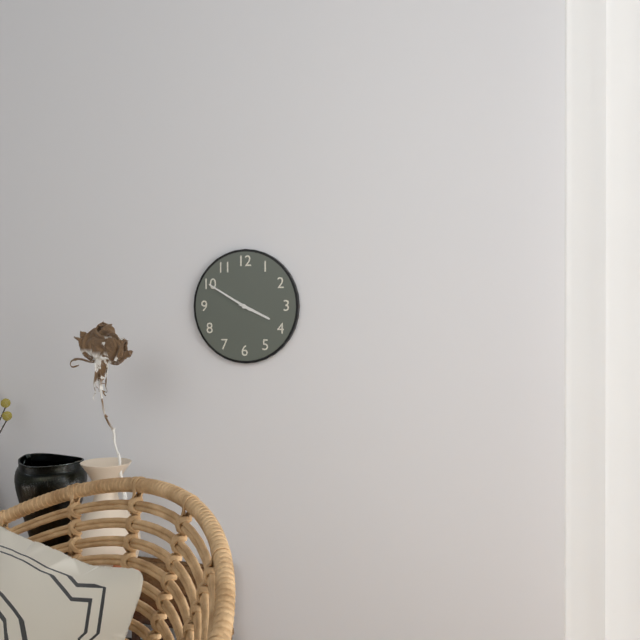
3:50
